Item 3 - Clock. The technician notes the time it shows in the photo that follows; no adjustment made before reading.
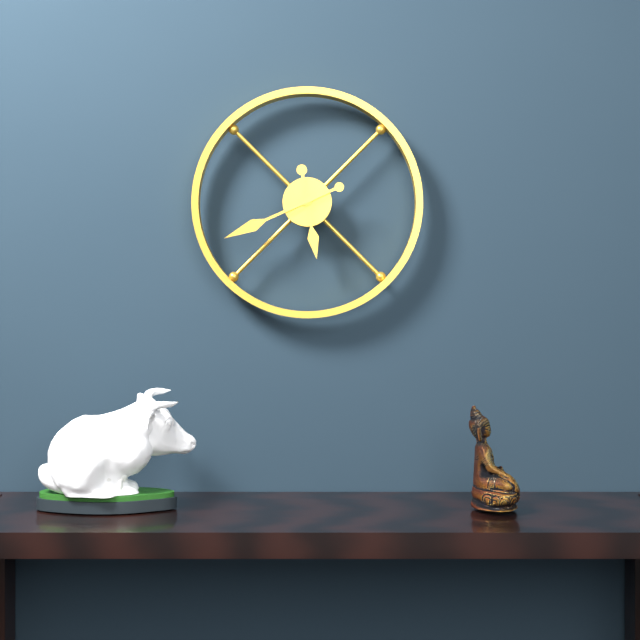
5:41
